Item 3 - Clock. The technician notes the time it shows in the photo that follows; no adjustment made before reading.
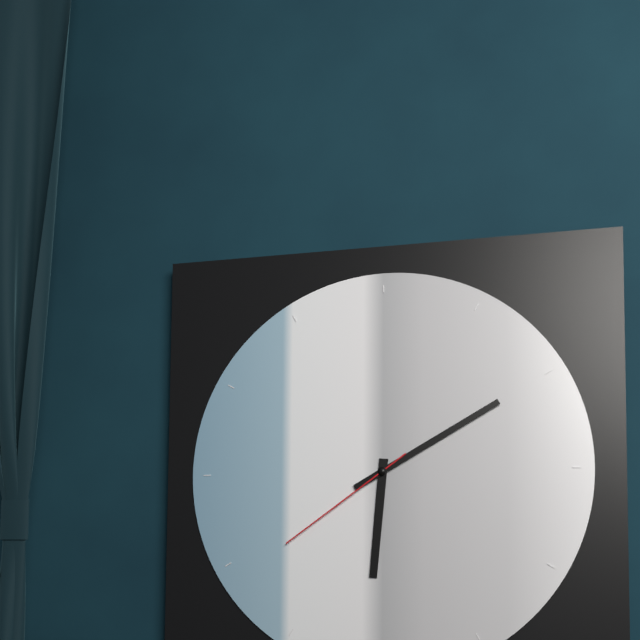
6:10:39
